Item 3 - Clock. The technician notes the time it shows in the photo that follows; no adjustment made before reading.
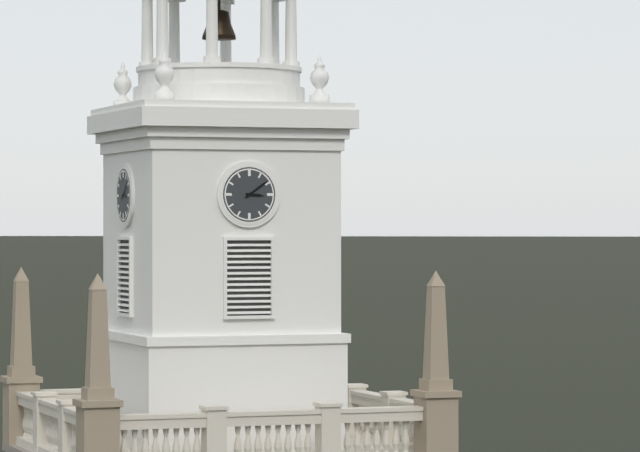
3:09
